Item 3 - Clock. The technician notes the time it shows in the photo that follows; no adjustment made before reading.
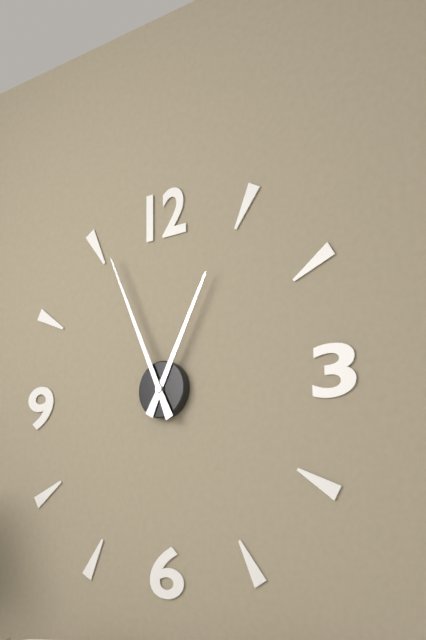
12:56
